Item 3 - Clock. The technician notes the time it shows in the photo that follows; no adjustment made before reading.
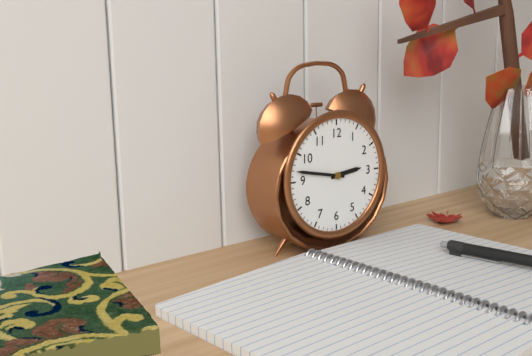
2:47
